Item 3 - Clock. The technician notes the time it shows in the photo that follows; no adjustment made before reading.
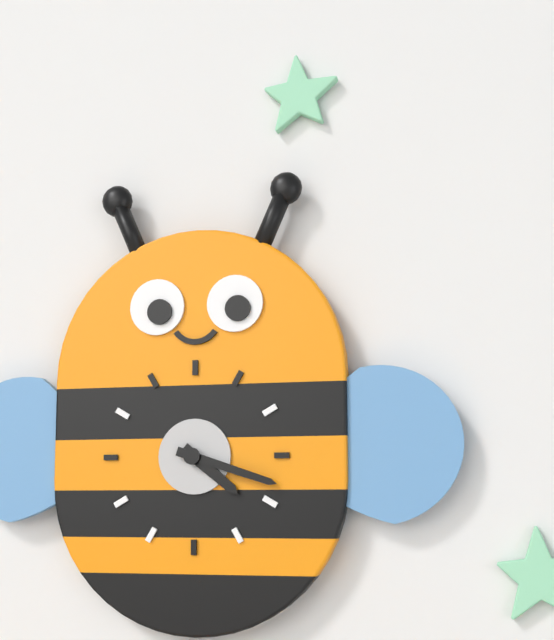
4:18
